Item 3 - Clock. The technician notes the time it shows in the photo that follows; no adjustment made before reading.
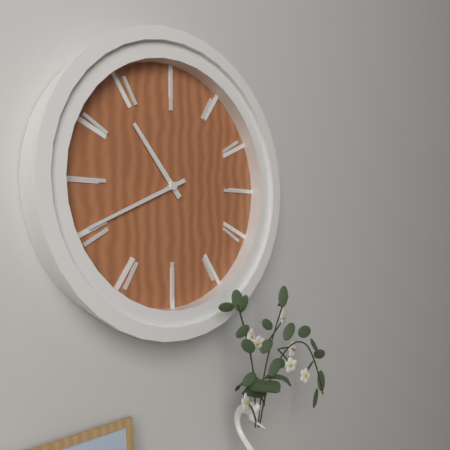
10:41
